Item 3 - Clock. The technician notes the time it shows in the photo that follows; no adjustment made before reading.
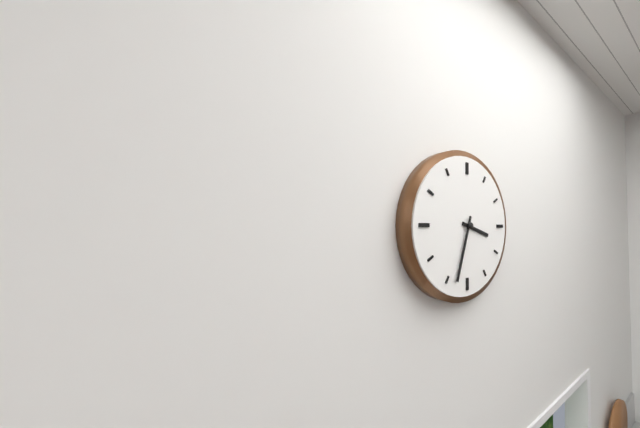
3:33
